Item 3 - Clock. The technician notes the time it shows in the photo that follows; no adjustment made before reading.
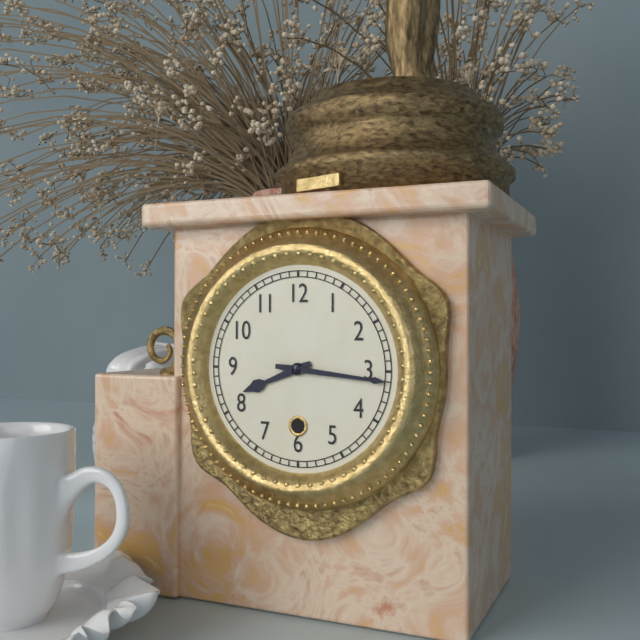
8:16
